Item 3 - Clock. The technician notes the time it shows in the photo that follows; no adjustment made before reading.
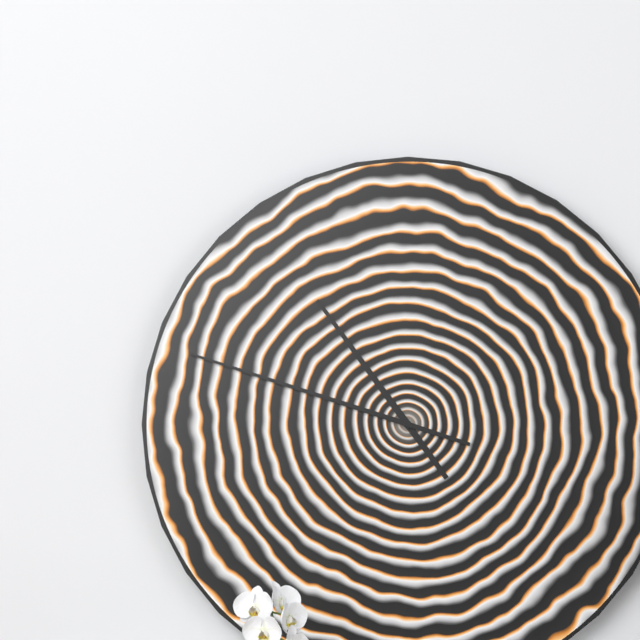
10:48
